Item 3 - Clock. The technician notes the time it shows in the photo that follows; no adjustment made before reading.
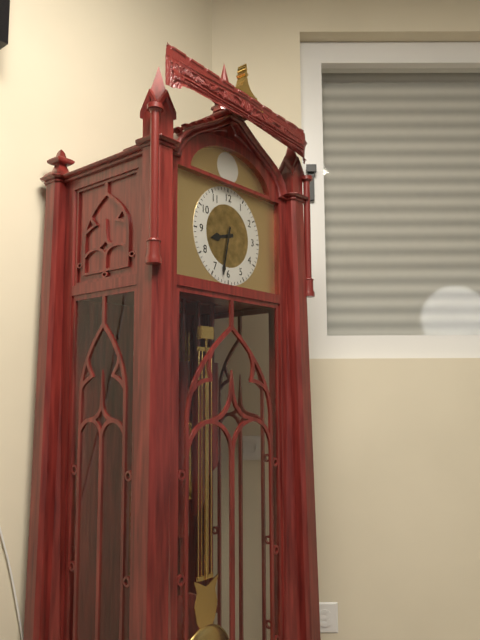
8:32
